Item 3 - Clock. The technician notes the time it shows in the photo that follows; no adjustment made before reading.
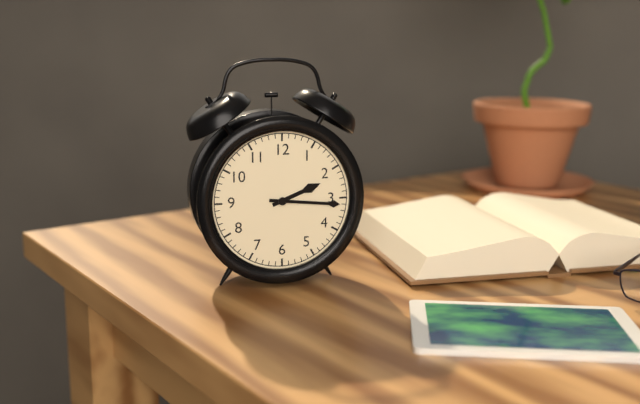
2:16
